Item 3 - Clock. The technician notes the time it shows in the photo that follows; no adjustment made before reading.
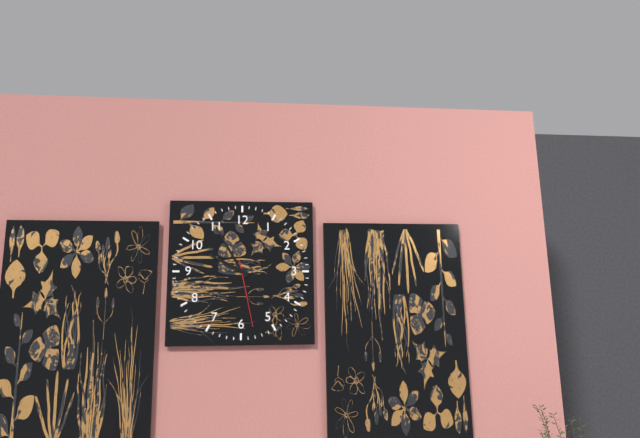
9:55:28
